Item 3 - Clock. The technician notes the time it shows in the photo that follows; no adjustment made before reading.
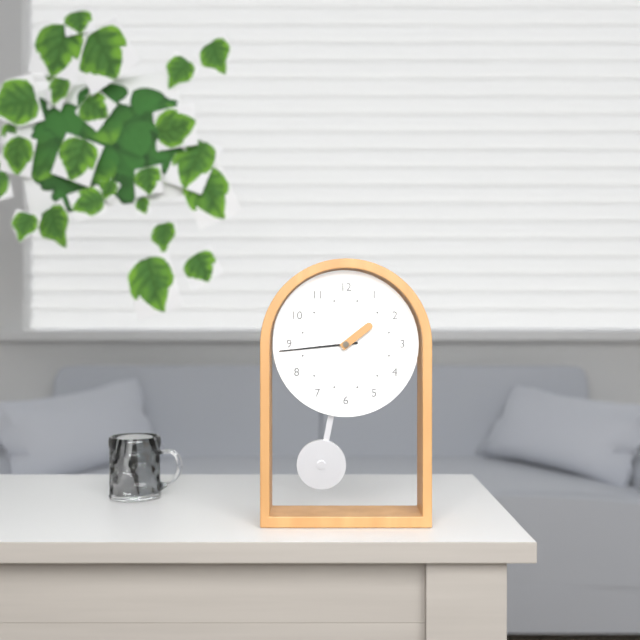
1:44
